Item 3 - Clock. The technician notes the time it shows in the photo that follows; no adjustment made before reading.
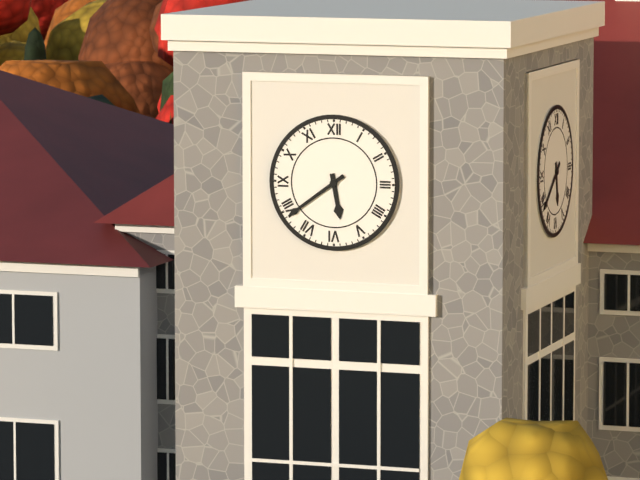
5:39
